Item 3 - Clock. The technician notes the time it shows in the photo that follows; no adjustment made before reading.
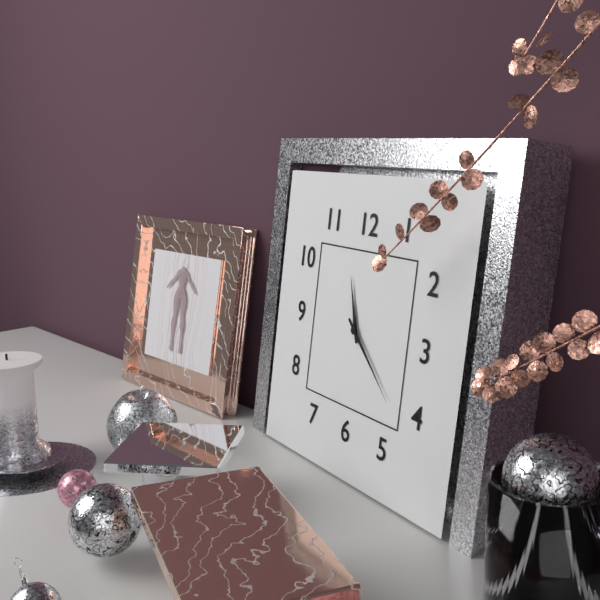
11:22
